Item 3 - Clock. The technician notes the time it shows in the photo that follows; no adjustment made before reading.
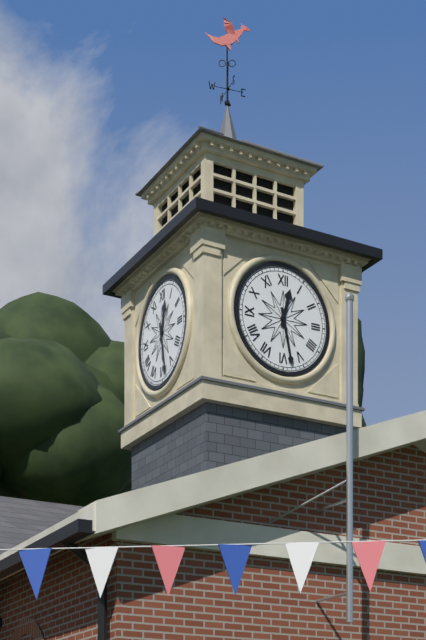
12:28
